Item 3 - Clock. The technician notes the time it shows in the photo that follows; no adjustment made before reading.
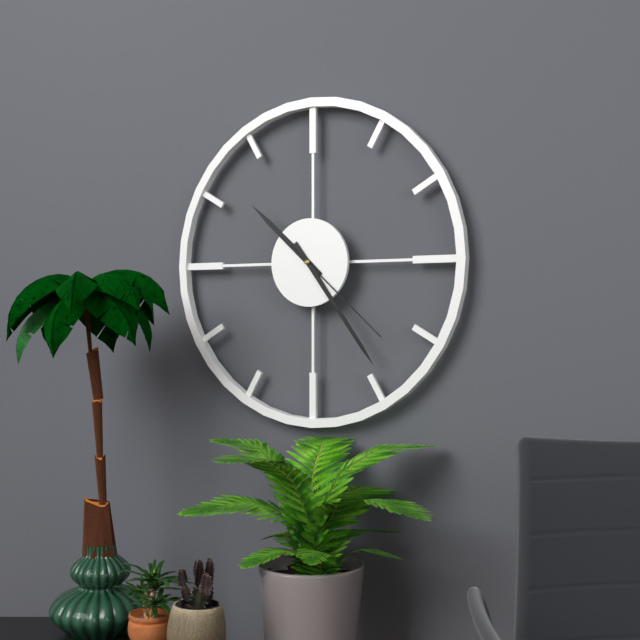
10:24:22
